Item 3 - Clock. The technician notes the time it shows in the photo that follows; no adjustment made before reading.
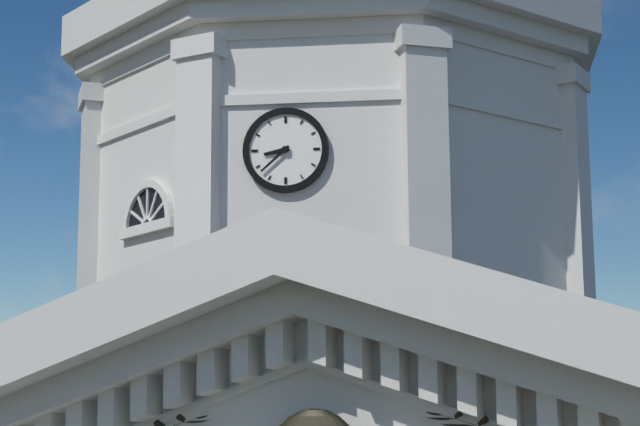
8:38
